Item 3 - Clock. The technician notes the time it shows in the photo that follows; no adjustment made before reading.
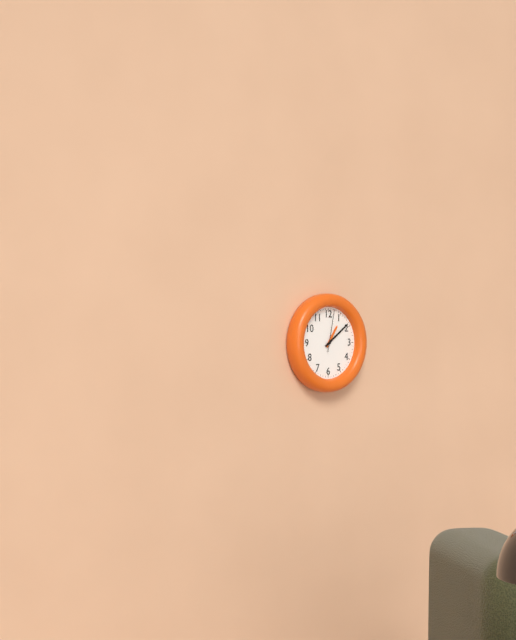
1:09
